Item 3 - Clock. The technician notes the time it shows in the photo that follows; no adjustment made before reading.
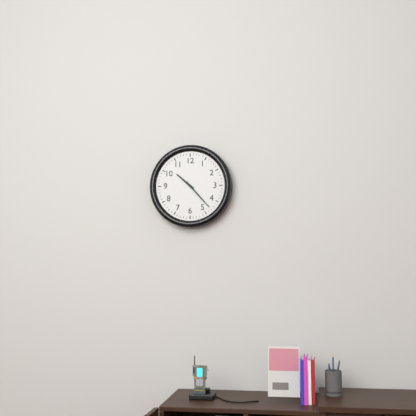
10:23
